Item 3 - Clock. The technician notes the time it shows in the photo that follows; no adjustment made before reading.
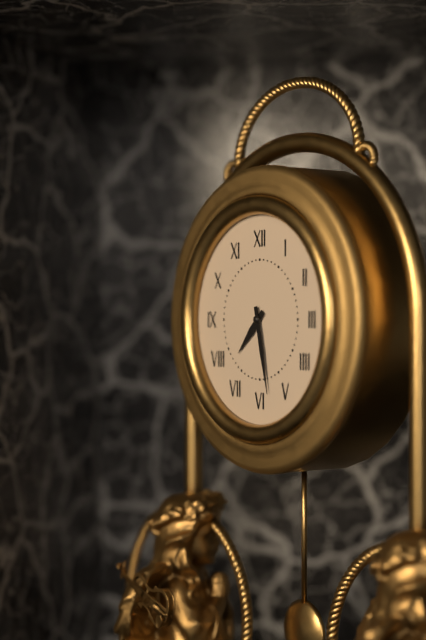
7:28
